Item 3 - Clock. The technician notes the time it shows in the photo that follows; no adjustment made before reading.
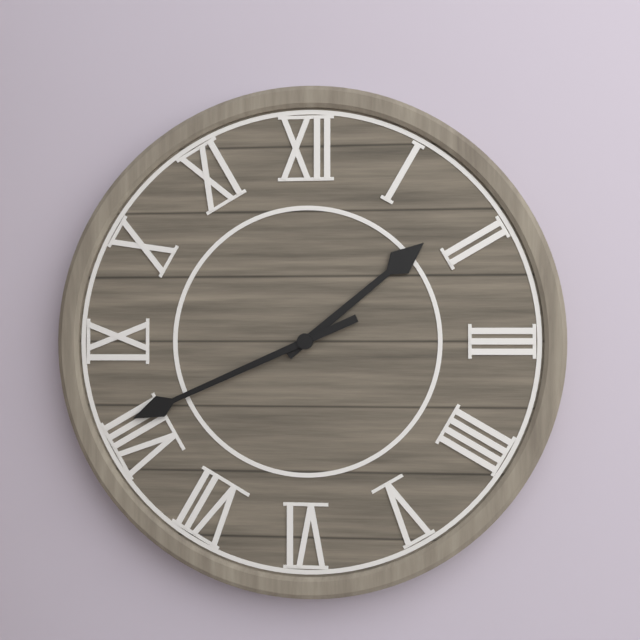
1:41
